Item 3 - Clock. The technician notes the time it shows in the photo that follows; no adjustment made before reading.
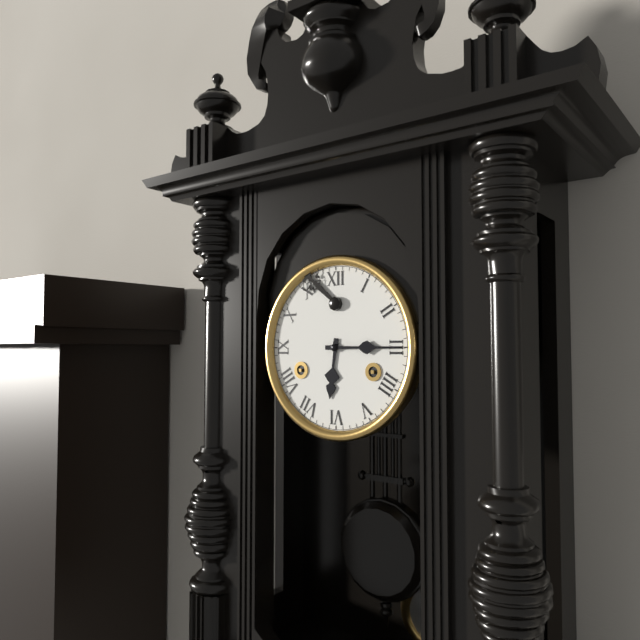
6:15
